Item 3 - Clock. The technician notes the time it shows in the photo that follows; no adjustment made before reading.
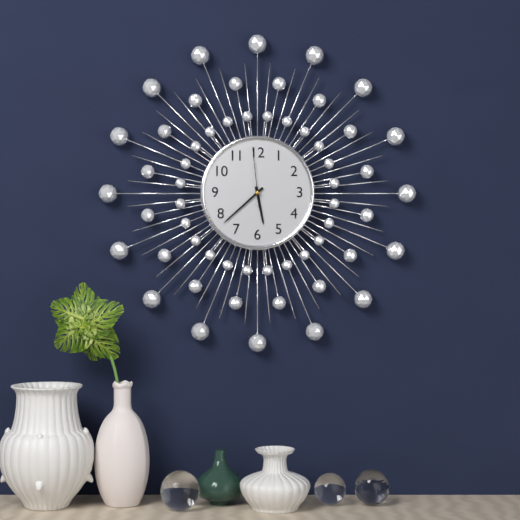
5:38:59
